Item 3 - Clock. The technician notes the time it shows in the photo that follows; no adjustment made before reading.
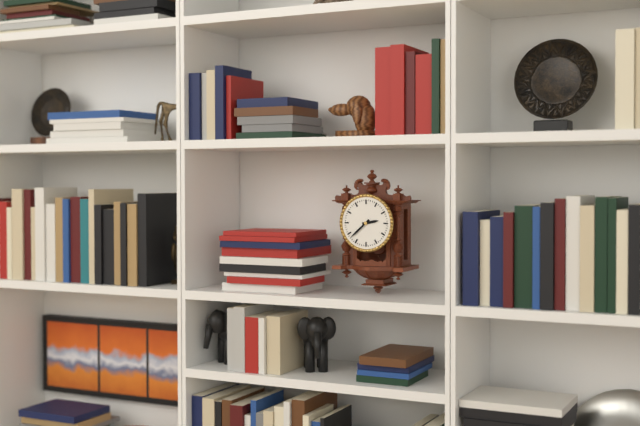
2:38
